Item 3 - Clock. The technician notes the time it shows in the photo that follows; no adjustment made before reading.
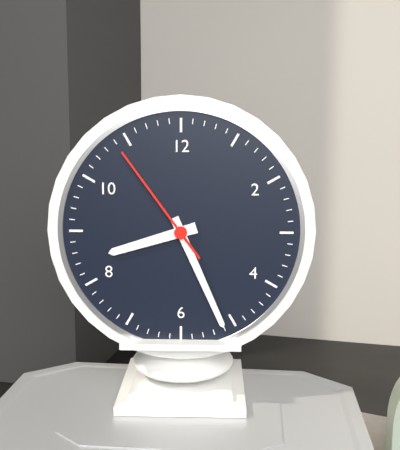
8:26:54
